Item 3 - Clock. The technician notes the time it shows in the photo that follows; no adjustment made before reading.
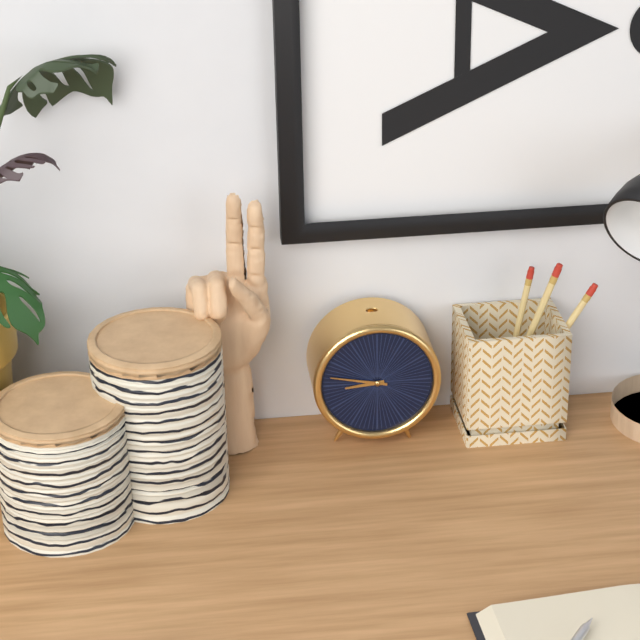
8:47
